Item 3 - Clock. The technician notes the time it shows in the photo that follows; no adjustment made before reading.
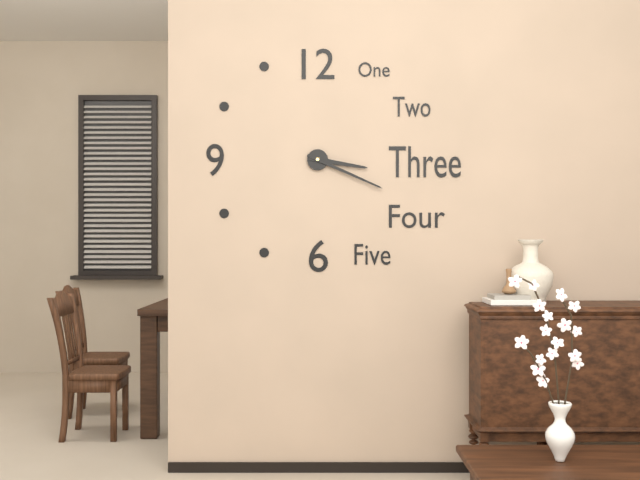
3:19
